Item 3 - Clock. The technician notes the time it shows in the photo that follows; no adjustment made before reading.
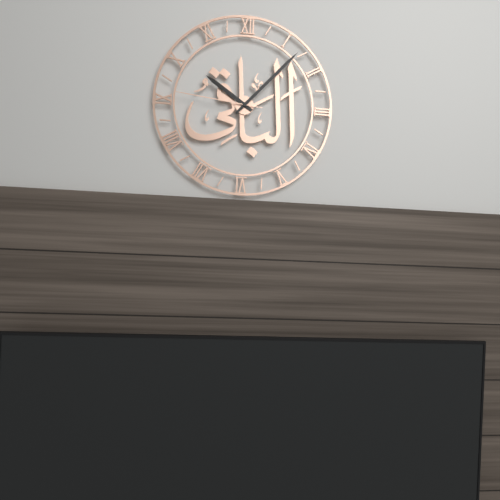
10:07:46
